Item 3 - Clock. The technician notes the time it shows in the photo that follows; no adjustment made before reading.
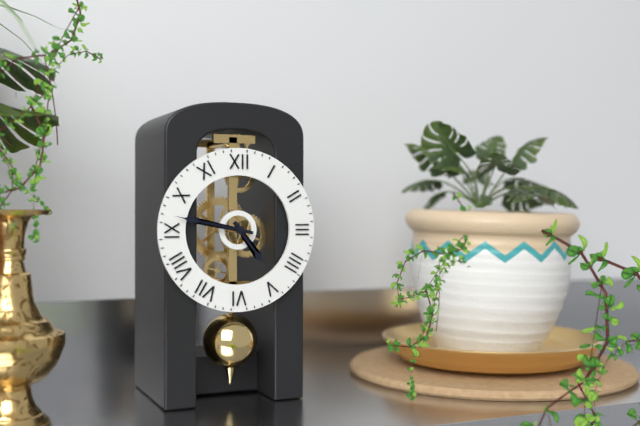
4:47
